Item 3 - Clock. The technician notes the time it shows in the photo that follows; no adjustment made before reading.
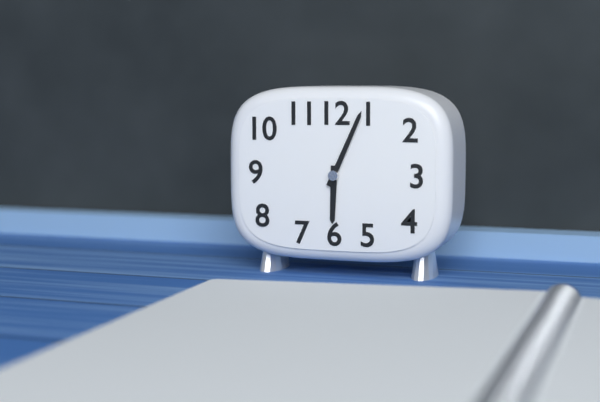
6:04
